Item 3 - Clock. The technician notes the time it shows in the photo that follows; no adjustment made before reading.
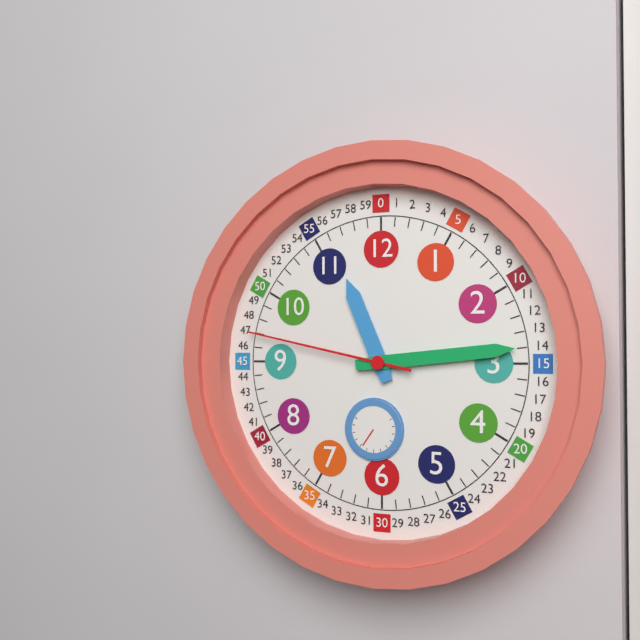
11:14:47
